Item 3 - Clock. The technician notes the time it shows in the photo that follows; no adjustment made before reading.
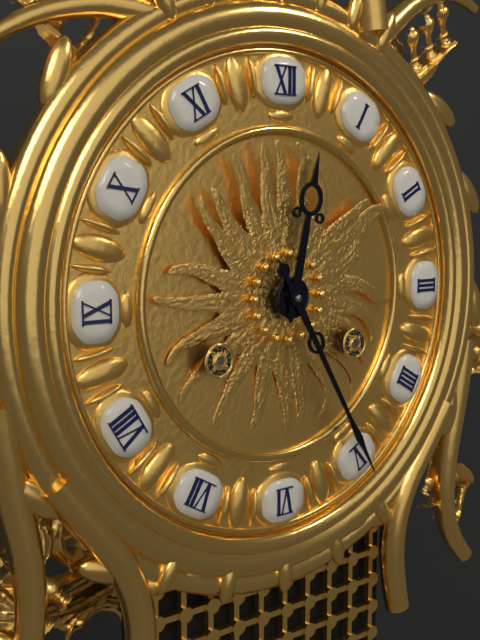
12:25
